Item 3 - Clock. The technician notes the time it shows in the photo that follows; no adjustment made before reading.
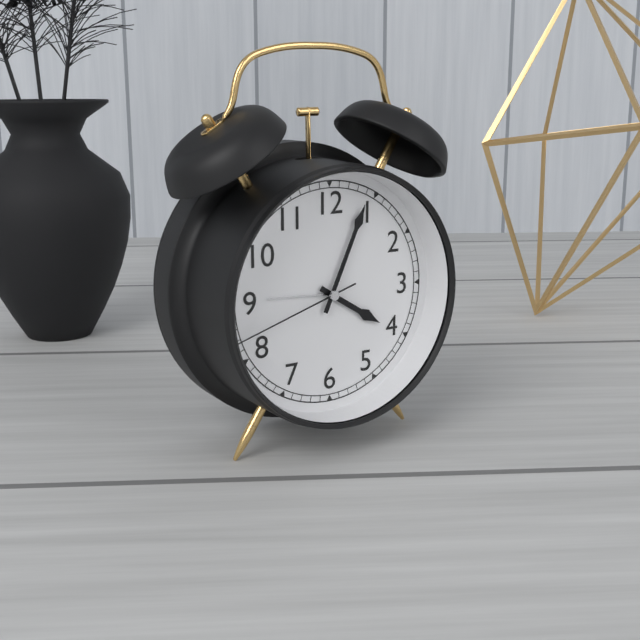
4:04:42
